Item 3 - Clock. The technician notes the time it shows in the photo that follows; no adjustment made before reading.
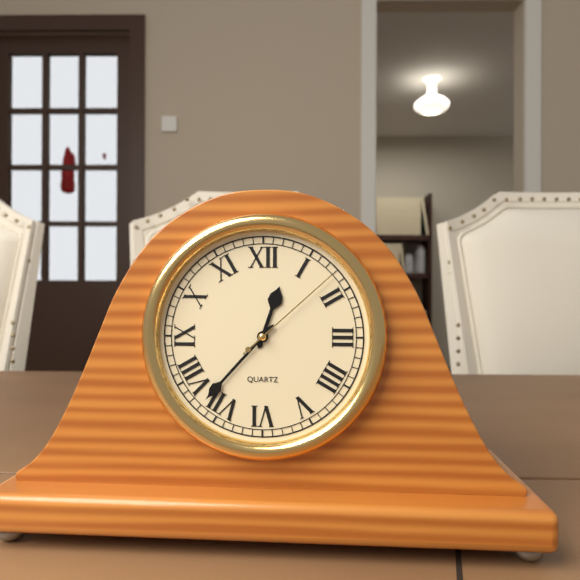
12:37:08
